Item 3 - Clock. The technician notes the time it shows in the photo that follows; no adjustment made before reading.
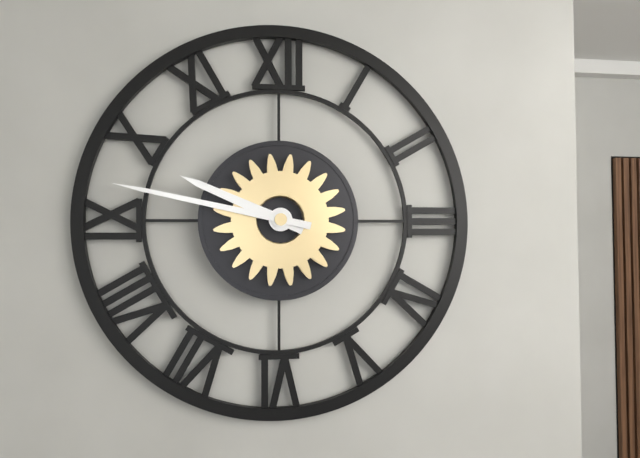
9:47
